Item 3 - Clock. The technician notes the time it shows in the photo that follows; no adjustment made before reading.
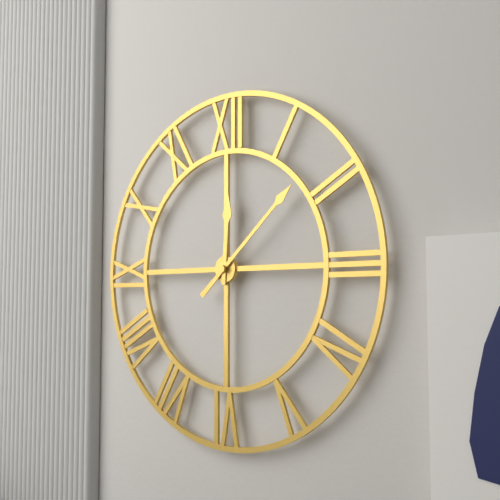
12:08
